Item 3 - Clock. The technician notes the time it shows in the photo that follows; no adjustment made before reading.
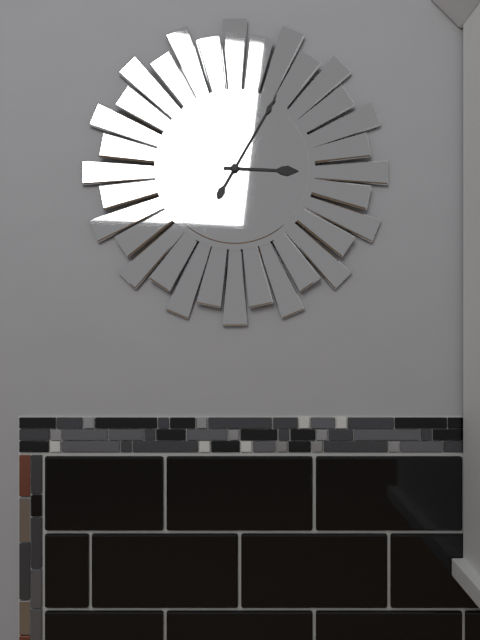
3:05
